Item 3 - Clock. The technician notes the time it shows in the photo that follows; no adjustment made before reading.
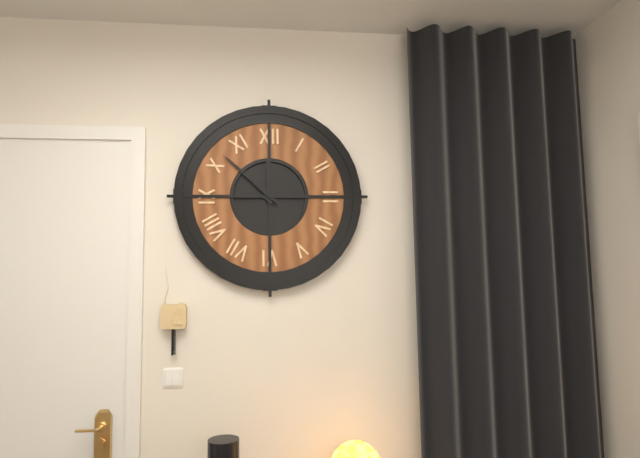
11:52
